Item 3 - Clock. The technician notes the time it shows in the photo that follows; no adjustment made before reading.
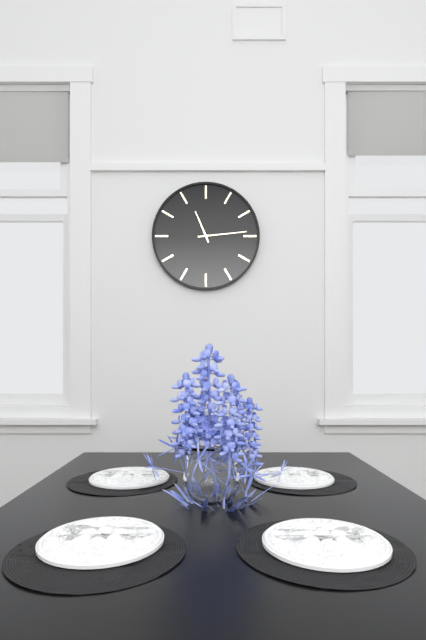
11:14
